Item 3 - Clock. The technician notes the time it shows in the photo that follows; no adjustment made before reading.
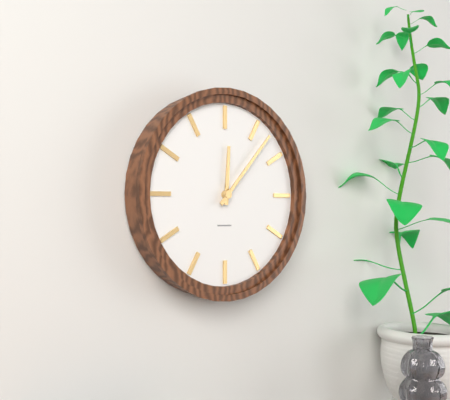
12:07
